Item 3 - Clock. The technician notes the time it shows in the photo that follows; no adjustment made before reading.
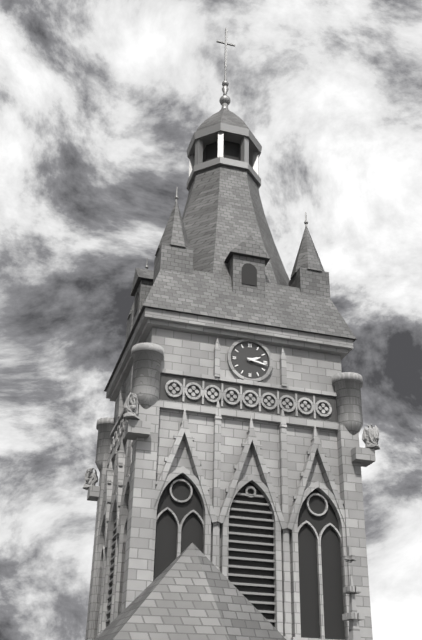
2:17
